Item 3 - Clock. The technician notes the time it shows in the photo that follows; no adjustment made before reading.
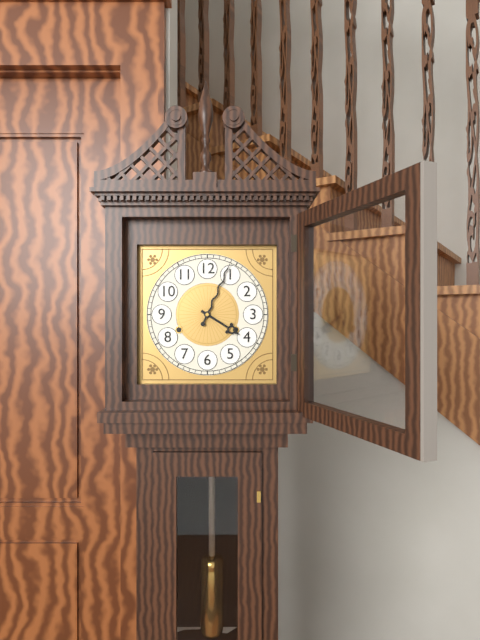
4:04
